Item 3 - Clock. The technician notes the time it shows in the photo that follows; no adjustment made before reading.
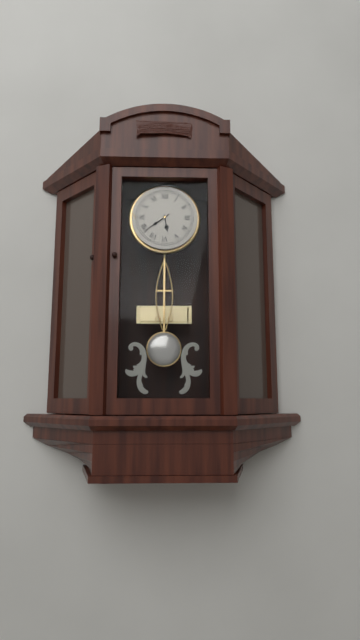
5:39
